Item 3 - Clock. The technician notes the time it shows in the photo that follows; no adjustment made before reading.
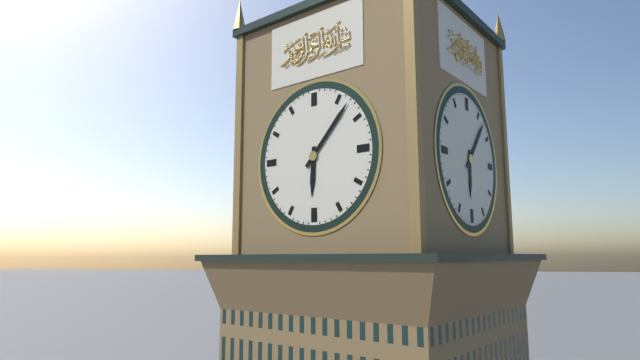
6:07
